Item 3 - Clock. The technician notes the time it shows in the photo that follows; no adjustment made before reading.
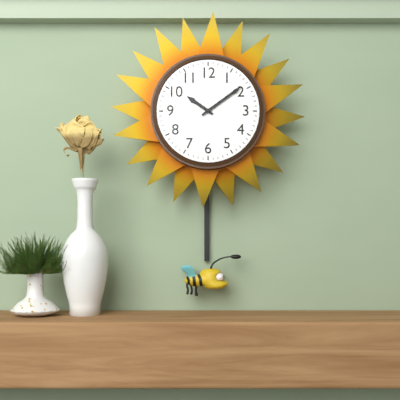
10:09
